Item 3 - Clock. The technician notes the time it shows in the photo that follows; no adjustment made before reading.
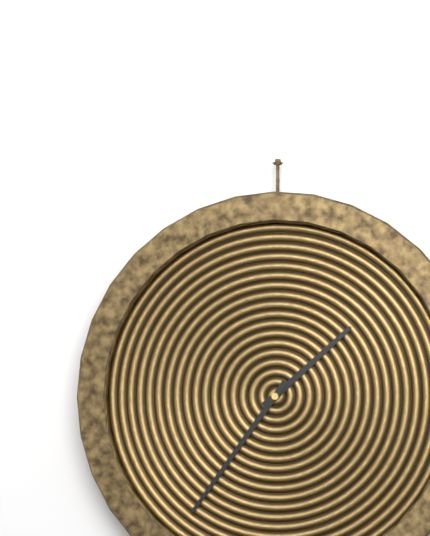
1:36
